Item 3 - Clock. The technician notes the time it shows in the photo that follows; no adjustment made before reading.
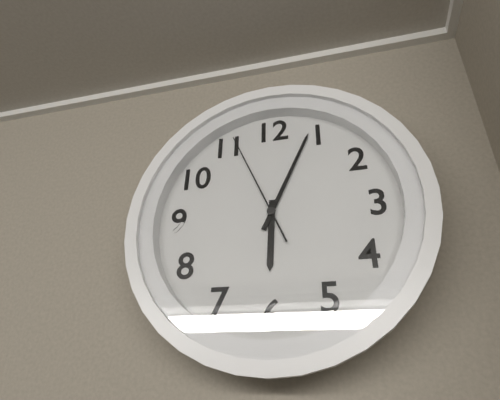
6:04:56
